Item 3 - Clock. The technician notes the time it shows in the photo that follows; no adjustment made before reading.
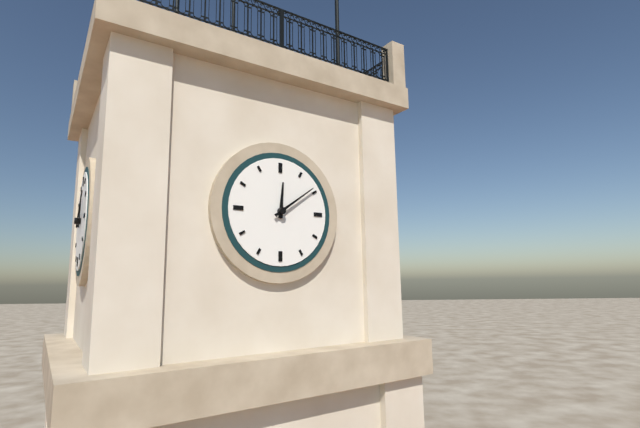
12:09
